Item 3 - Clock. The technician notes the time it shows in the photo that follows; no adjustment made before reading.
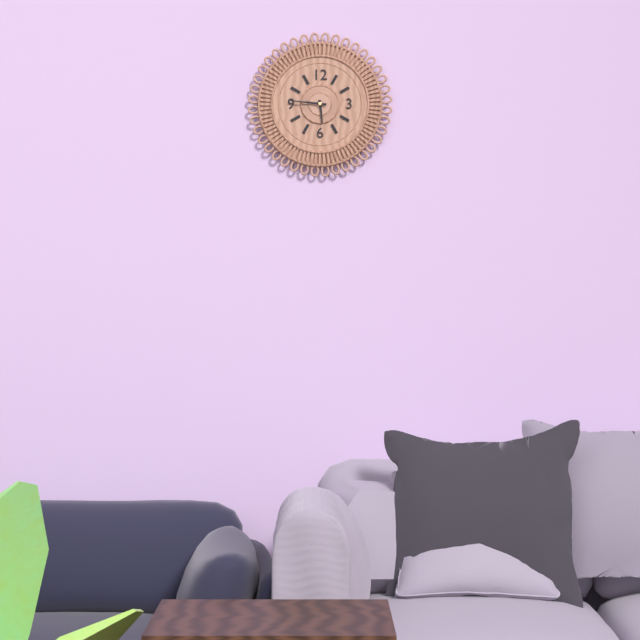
5:46
